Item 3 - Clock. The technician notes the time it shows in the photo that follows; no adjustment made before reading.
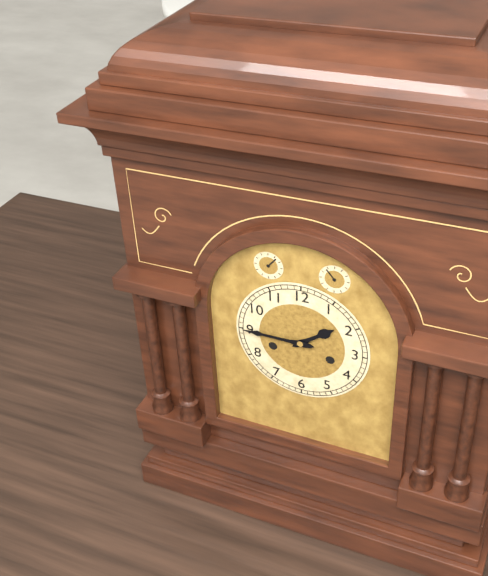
1:45
